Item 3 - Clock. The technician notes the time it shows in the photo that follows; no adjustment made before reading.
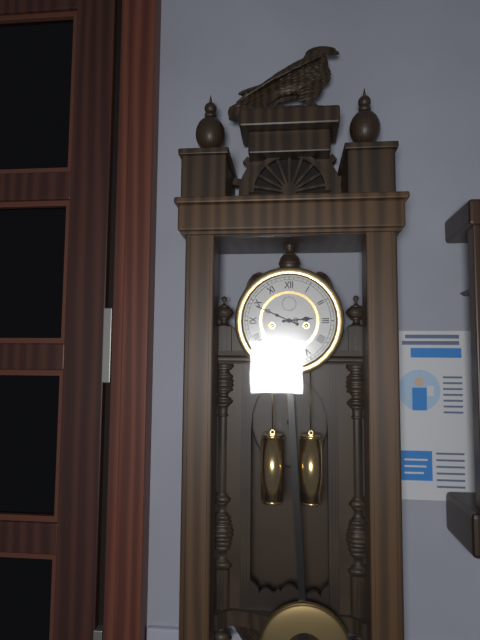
2:49
